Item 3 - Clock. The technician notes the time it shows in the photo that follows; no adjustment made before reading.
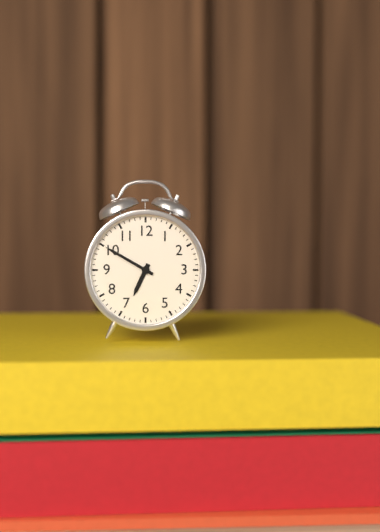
6:50
